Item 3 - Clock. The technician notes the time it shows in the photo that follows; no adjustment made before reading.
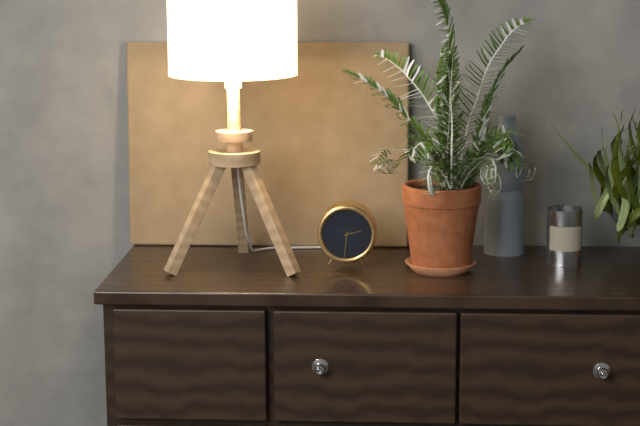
2:31
